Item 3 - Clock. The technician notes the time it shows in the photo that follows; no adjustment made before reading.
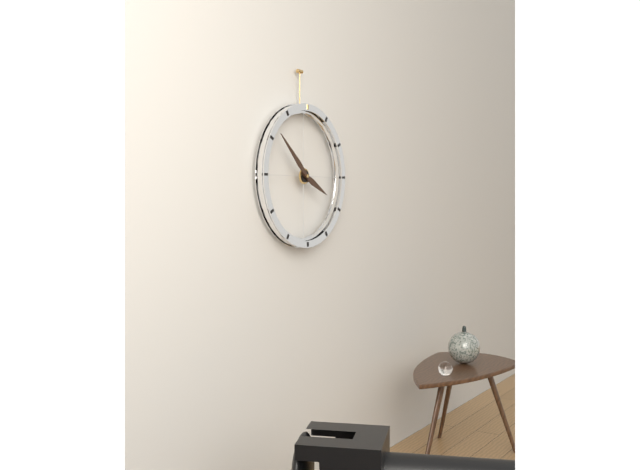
3:52
